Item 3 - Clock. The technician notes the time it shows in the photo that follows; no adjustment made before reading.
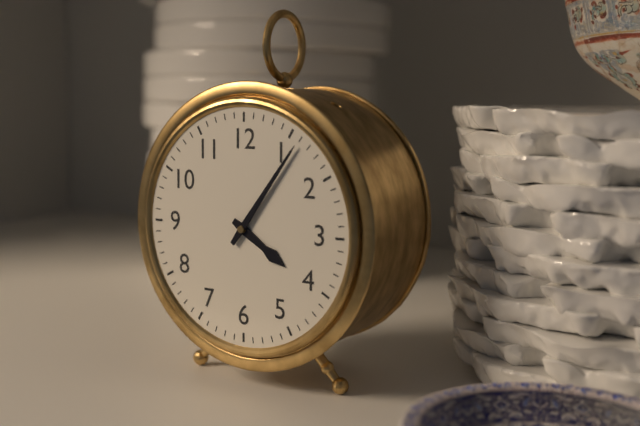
4:06
